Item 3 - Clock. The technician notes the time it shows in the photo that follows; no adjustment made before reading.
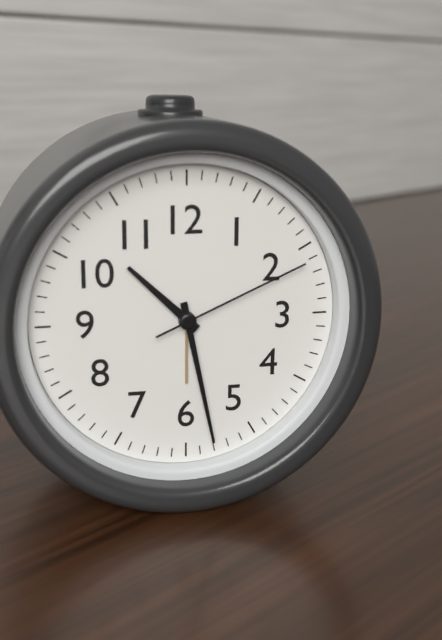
10:28:11
